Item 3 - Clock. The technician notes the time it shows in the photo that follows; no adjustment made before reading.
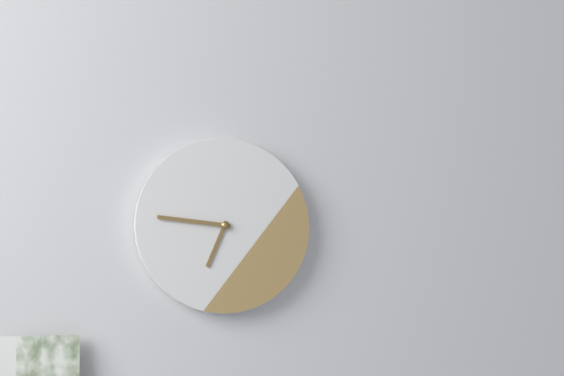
6:46
